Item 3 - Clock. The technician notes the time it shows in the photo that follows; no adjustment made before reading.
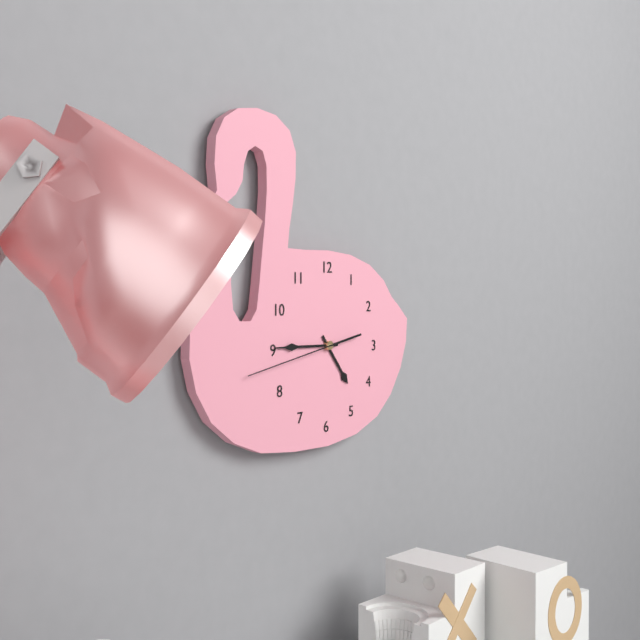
4:45:43
